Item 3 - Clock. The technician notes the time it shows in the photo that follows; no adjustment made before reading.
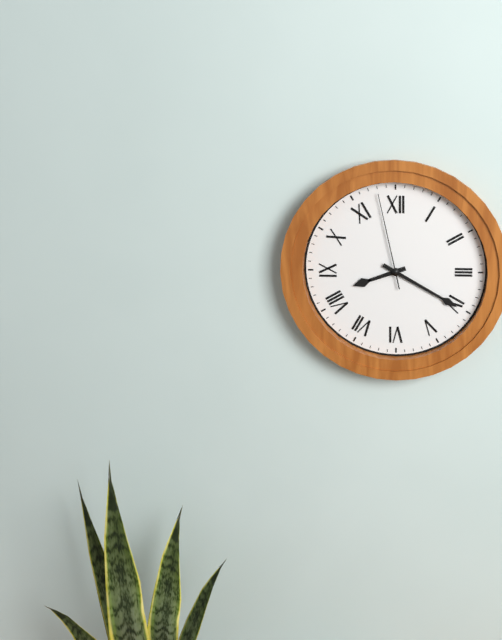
8:20:58
